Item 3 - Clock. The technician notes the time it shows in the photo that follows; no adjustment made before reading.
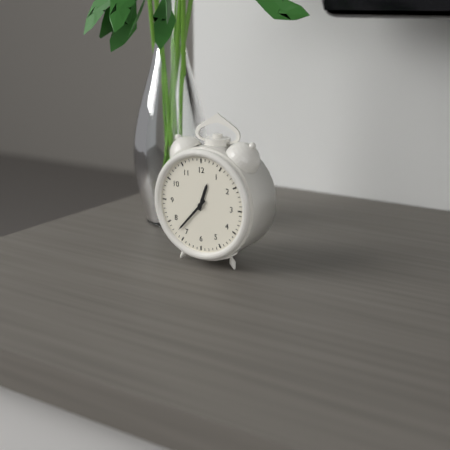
12:37
